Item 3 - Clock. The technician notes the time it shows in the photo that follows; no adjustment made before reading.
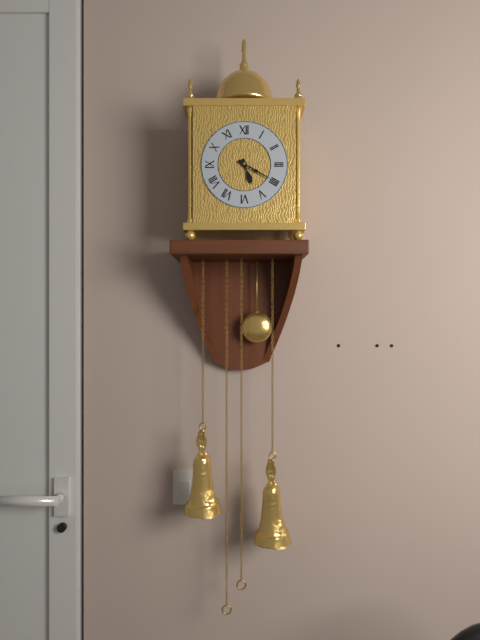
5:20
